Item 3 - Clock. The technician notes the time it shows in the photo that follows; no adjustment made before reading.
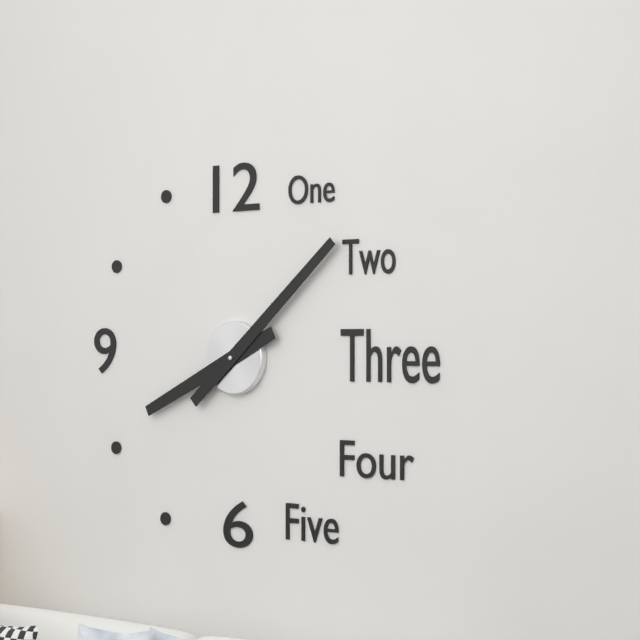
8:08
